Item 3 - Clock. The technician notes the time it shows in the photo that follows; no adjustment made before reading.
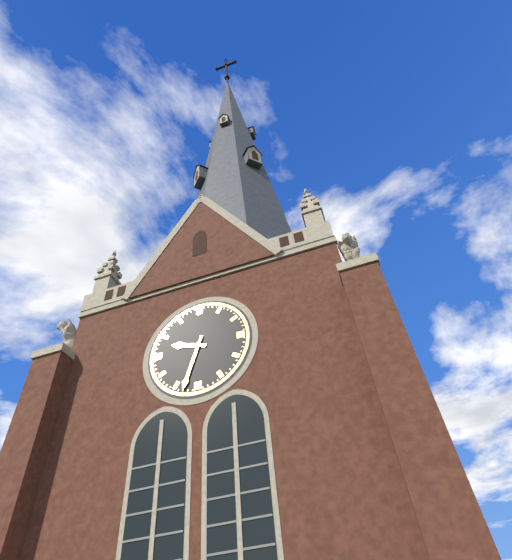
9:33
